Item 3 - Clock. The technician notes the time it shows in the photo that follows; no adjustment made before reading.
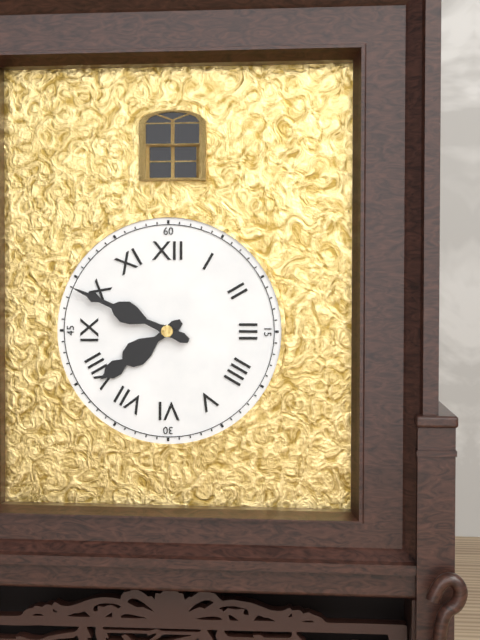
7:49
